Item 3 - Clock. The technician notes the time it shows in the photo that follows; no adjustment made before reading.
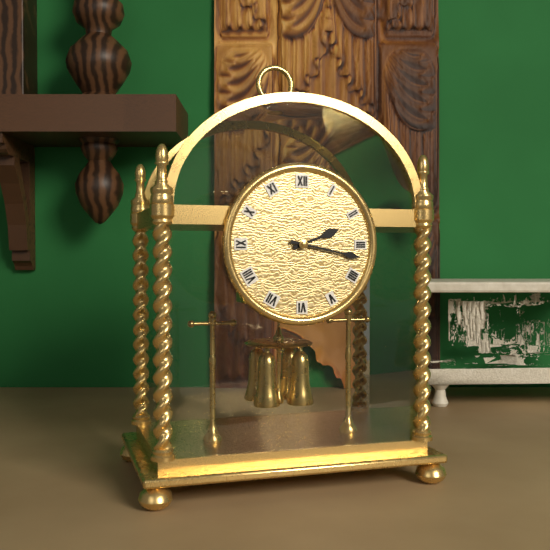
2:17
